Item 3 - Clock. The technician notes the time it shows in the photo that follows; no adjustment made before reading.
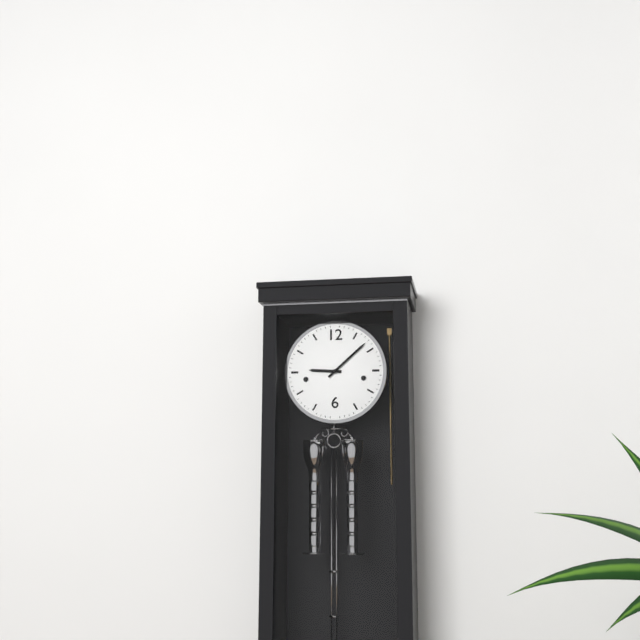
9:08
